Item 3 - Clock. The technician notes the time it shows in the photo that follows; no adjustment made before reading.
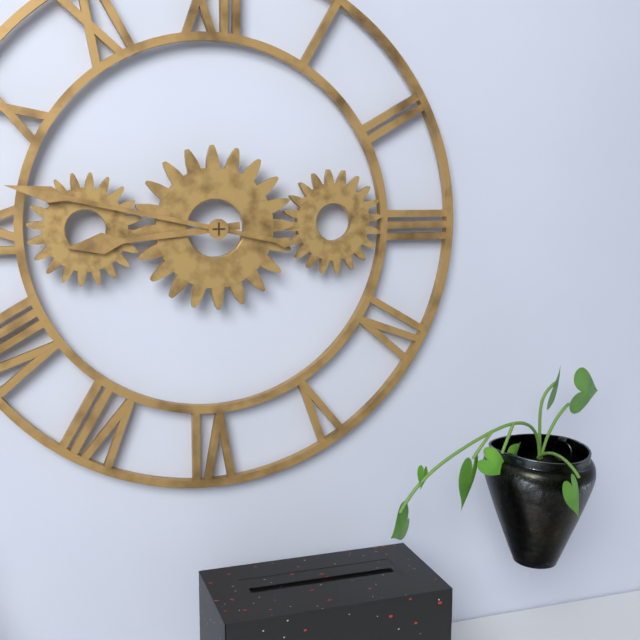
8:47
